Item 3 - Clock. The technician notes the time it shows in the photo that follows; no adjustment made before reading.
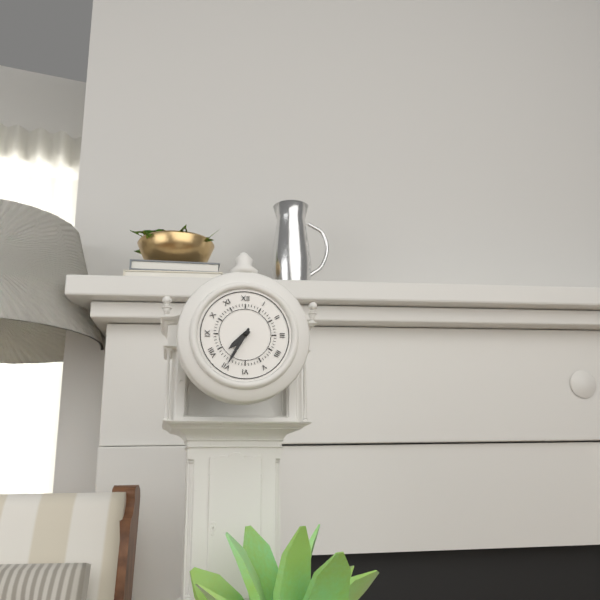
7:35
